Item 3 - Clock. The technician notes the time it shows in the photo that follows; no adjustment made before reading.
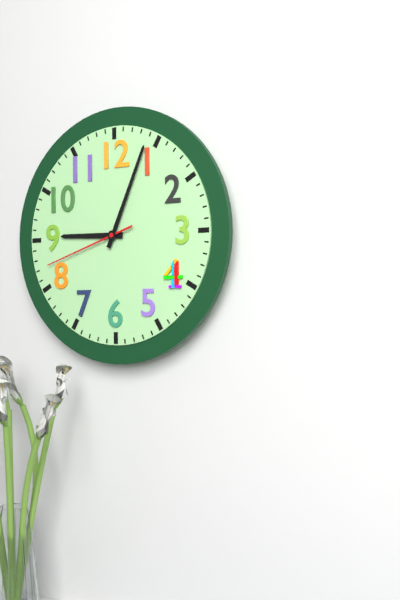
9:04:42
